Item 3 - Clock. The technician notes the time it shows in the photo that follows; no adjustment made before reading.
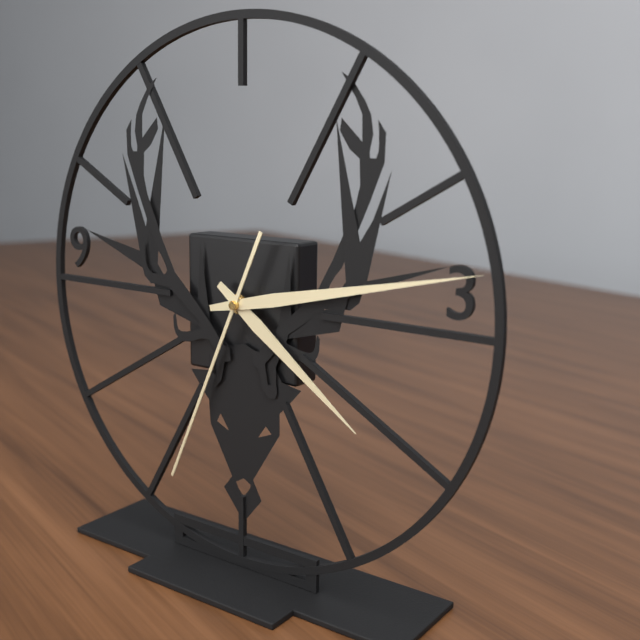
4:13:34
